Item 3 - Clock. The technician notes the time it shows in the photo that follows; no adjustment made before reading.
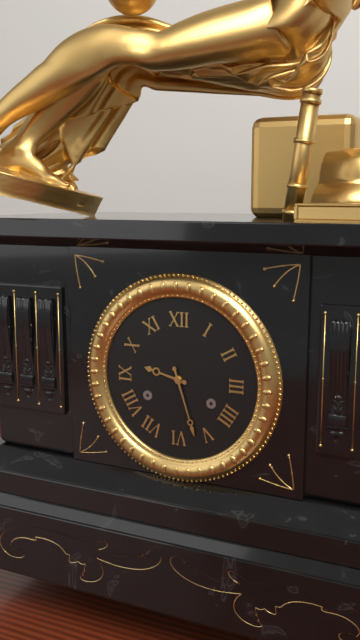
9:27
